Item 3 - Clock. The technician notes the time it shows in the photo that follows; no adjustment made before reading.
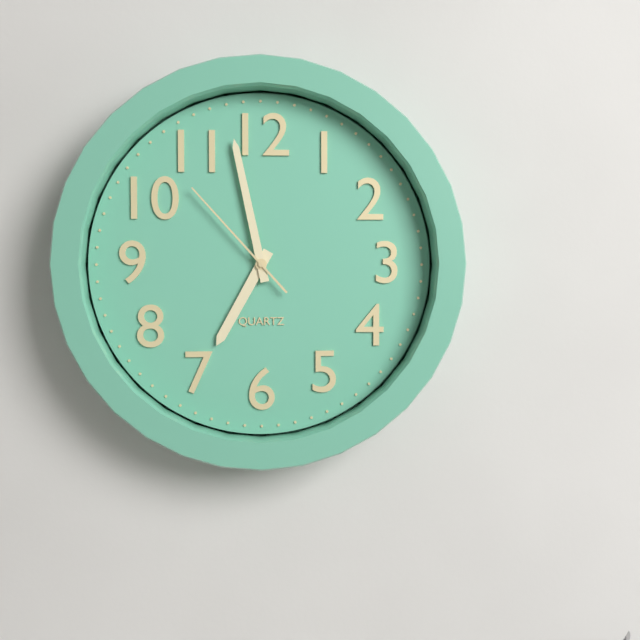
6:58:53
